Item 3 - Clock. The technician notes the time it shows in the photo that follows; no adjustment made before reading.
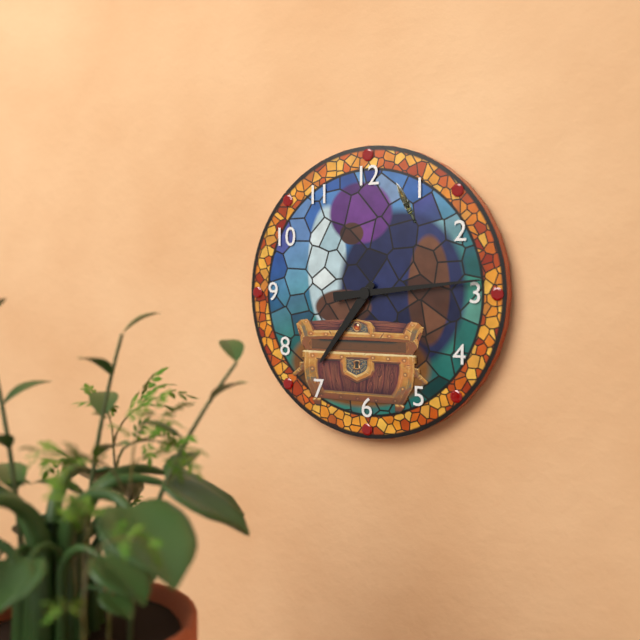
7:14
